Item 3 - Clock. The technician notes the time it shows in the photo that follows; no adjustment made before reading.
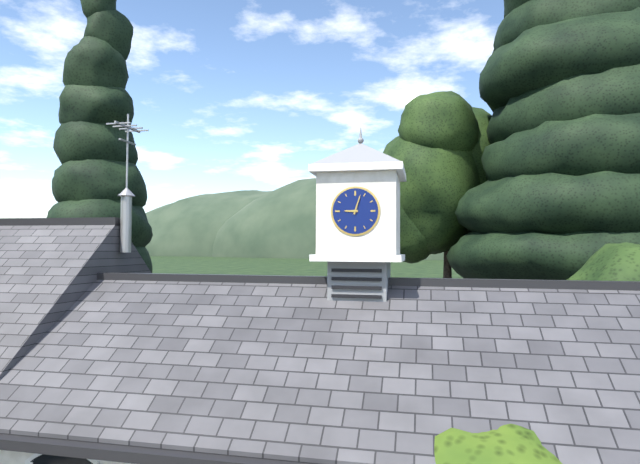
9:03
